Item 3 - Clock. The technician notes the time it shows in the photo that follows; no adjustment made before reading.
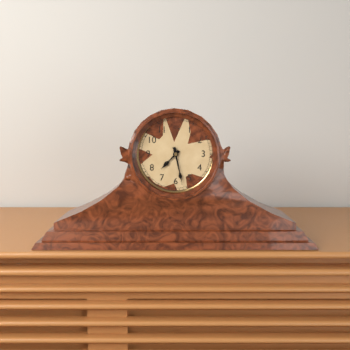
7:28
